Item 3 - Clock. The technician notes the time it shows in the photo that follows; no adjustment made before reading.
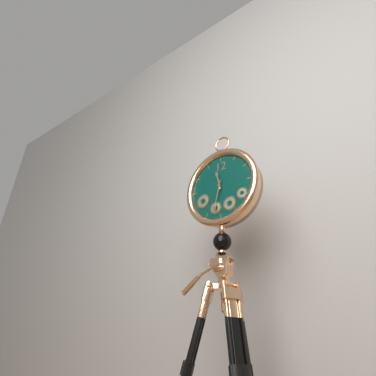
11:32
